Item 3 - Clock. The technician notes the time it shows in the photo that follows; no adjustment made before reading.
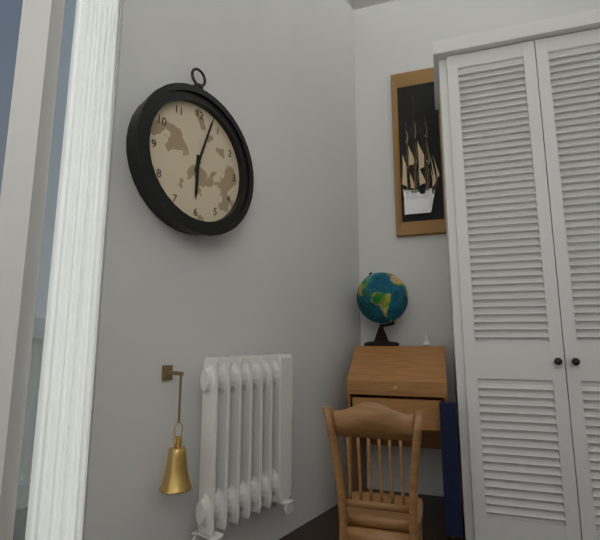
6:03
